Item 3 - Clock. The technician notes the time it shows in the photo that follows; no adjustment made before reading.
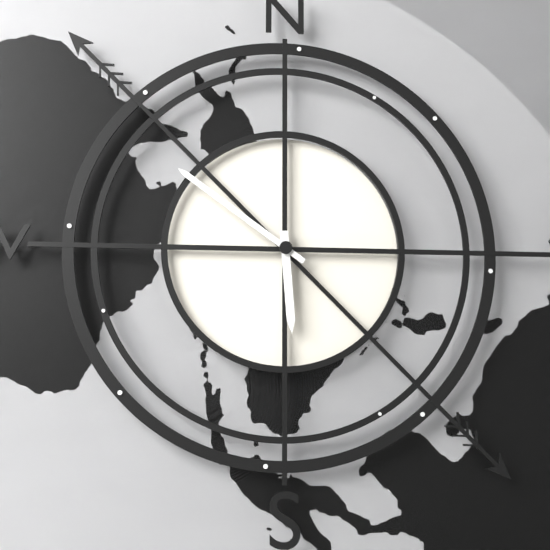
5:51
